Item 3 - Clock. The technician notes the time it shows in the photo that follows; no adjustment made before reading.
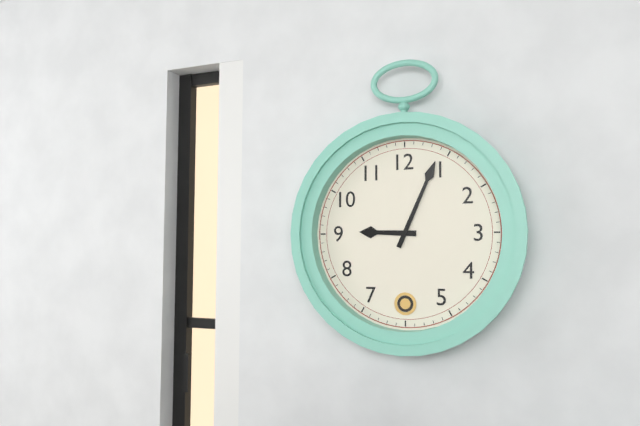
9:04
